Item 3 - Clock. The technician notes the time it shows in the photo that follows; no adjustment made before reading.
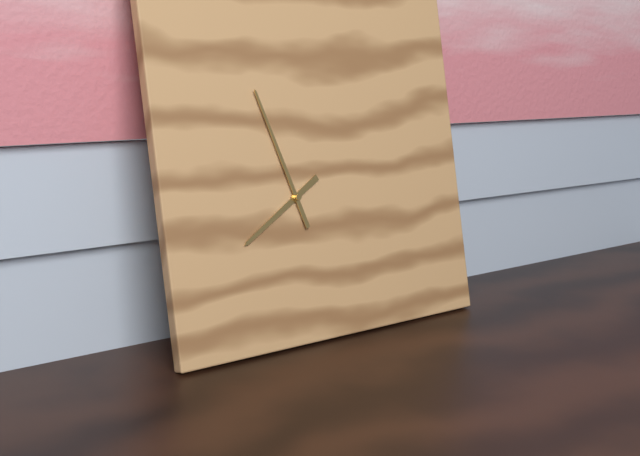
7:57
